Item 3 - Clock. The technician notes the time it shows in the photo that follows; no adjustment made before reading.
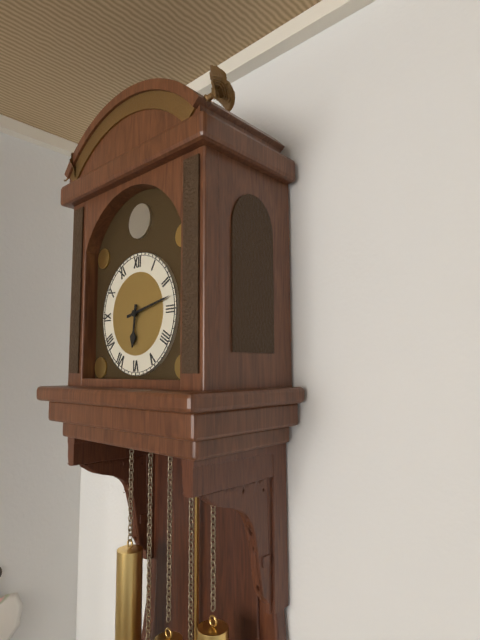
6:13
